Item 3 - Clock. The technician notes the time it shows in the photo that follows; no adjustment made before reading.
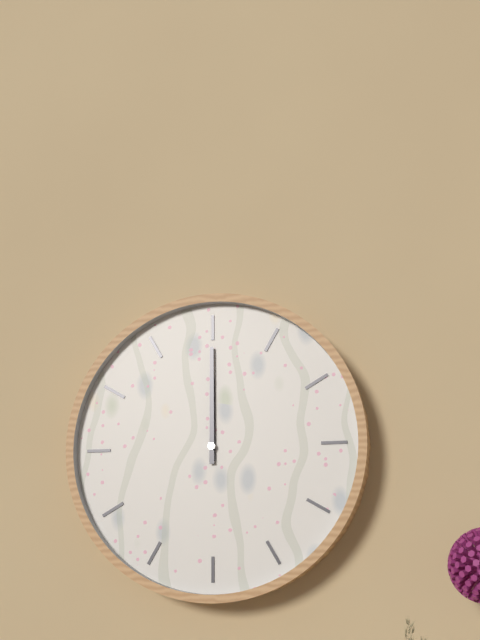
12:00
